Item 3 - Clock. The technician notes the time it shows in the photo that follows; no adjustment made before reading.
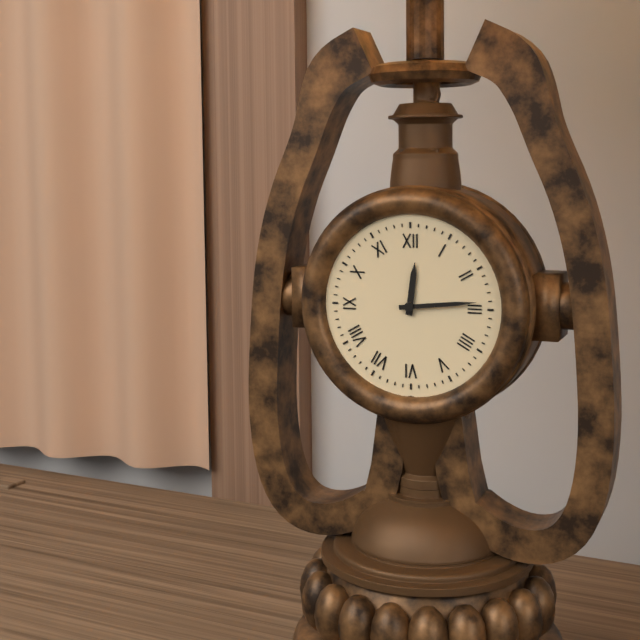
12:14
